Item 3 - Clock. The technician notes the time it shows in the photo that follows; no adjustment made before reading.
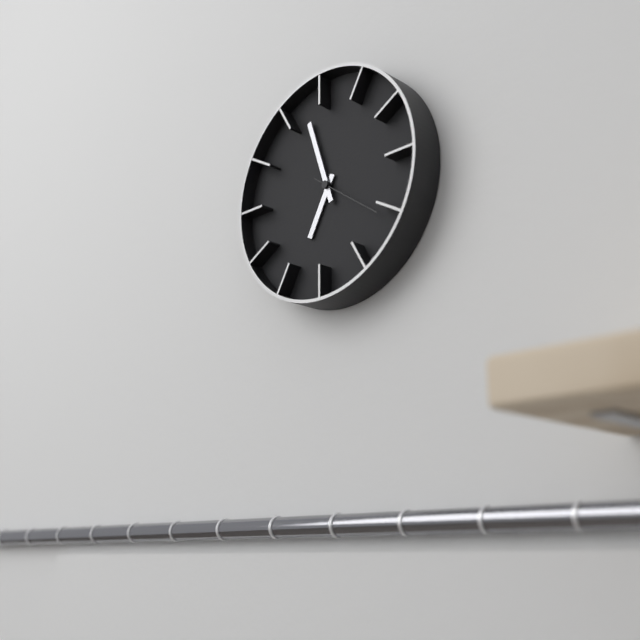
6:57
